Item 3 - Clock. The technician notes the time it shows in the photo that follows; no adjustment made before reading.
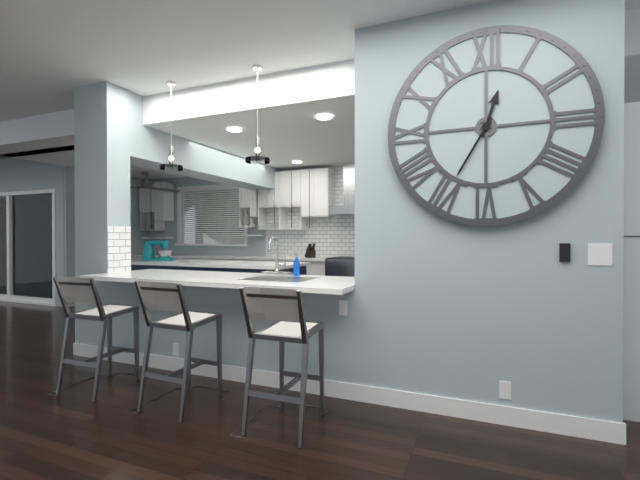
12:35
